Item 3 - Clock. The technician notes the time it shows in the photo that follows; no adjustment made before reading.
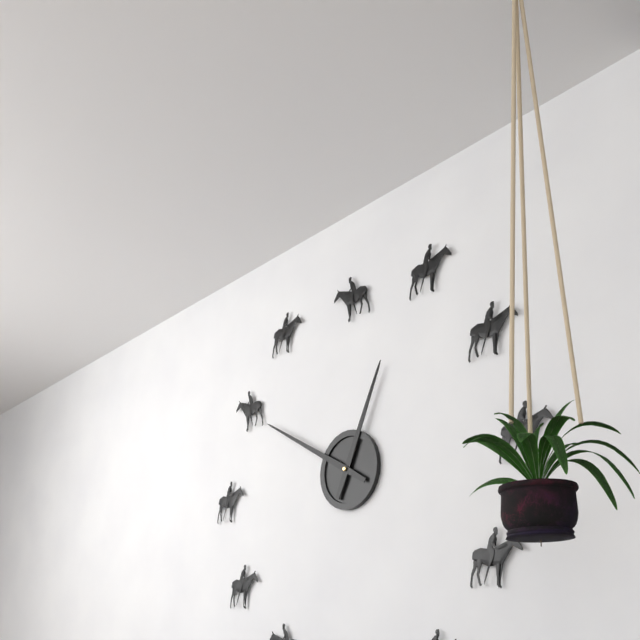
12:50
